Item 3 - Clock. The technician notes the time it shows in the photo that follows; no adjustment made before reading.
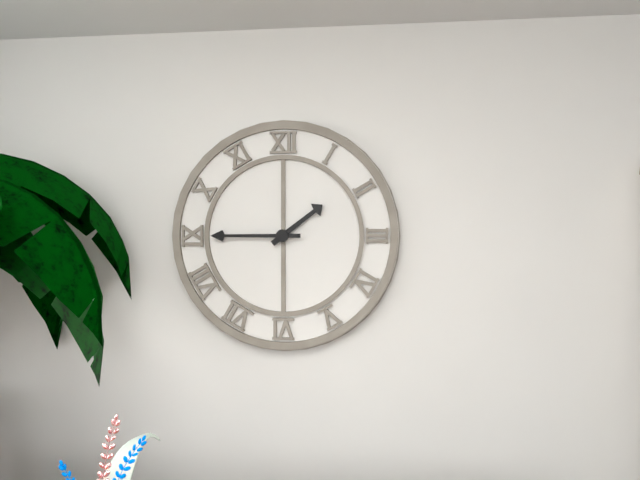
1:45
